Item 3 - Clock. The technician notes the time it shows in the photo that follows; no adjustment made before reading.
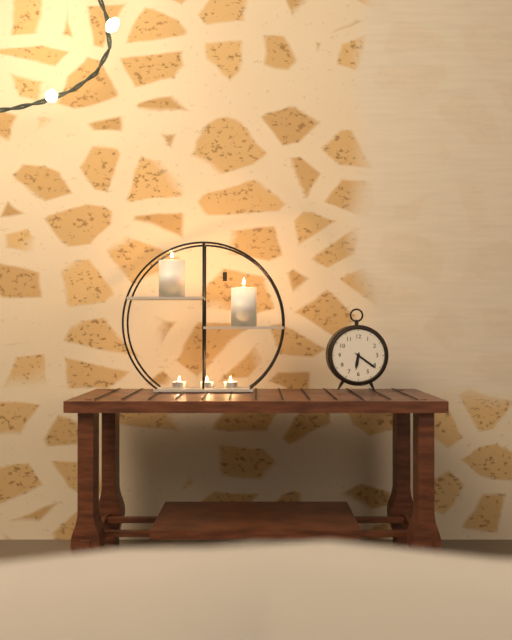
6:21
